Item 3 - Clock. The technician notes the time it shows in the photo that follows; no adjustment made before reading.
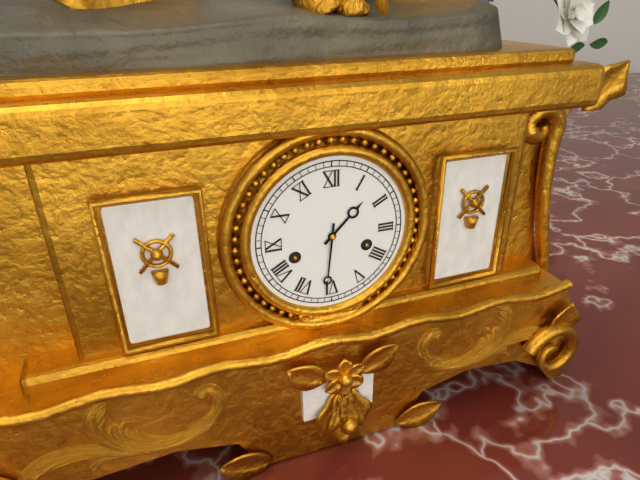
1:31
